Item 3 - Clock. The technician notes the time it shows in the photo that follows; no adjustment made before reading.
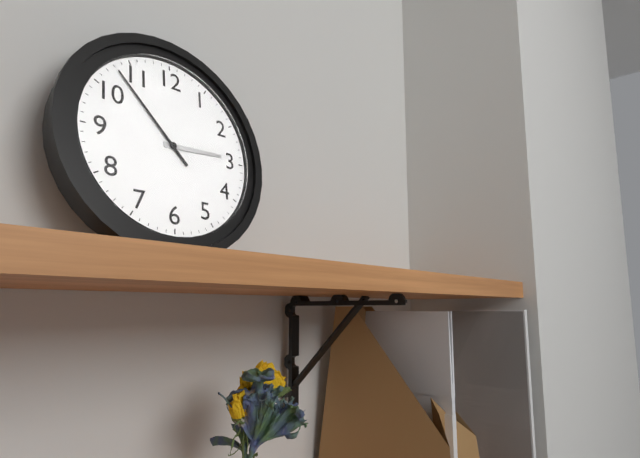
2:53
